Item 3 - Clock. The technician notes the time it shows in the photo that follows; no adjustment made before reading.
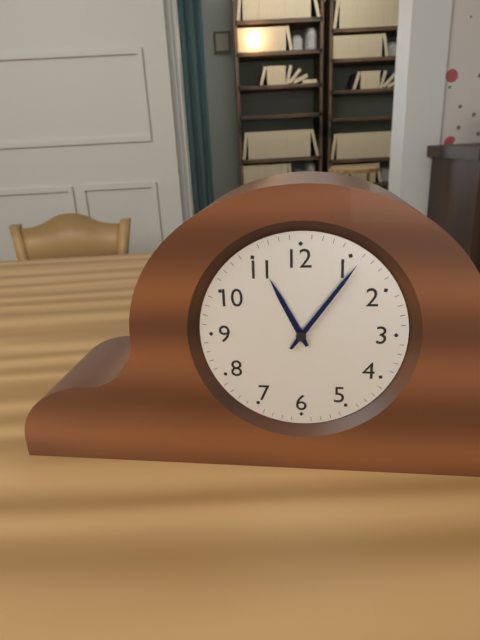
11:06
